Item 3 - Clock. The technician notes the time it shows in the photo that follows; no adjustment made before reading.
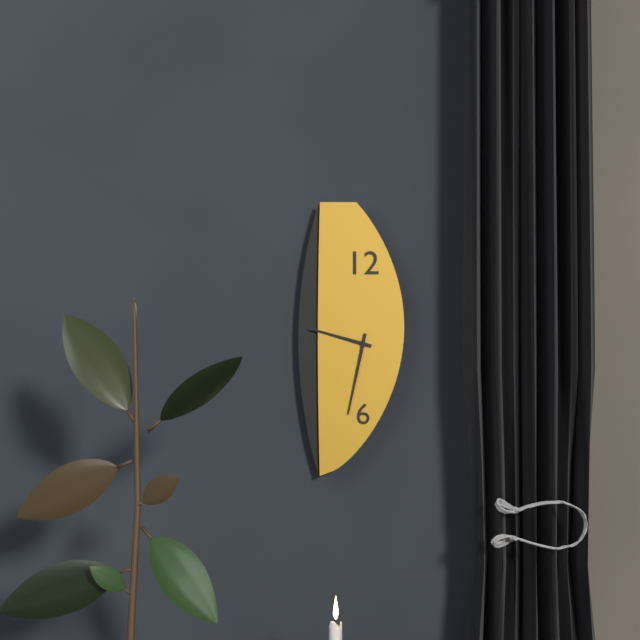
9:32
